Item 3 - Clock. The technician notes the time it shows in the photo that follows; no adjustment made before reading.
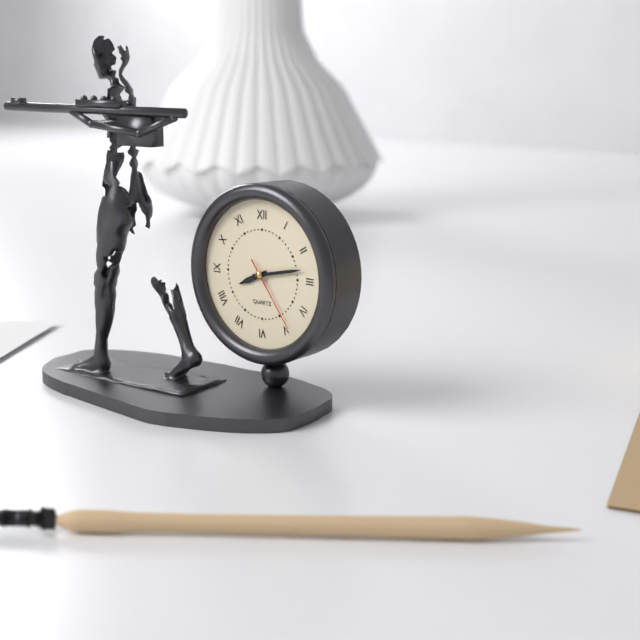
8:13:24
